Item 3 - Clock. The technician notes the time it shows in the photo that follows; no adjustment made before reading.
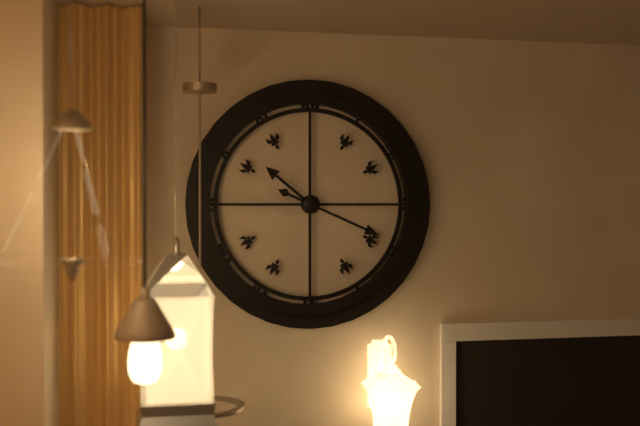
10:19
